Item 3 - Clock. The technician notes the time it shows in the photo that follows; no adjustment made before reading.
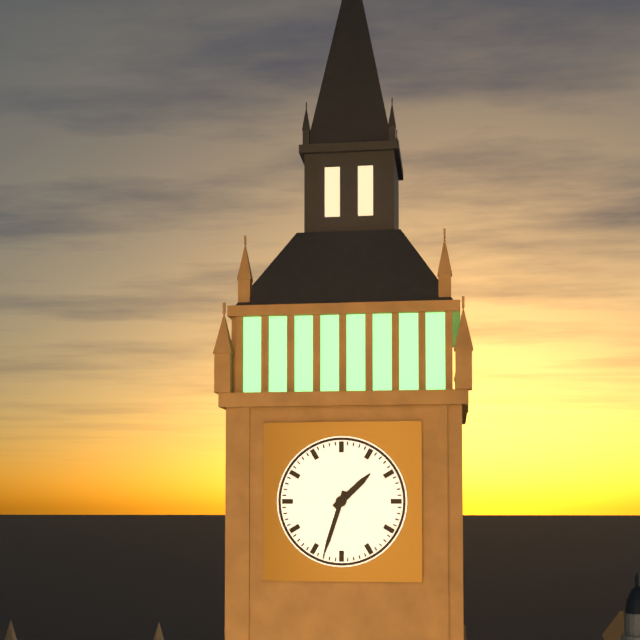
1:33
